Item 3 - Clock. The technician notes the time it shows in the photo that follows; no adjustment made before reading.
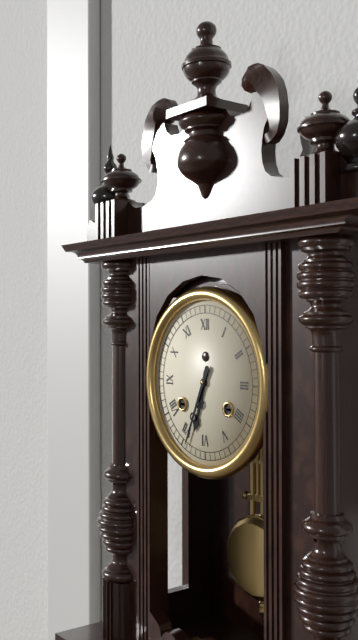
6:34
